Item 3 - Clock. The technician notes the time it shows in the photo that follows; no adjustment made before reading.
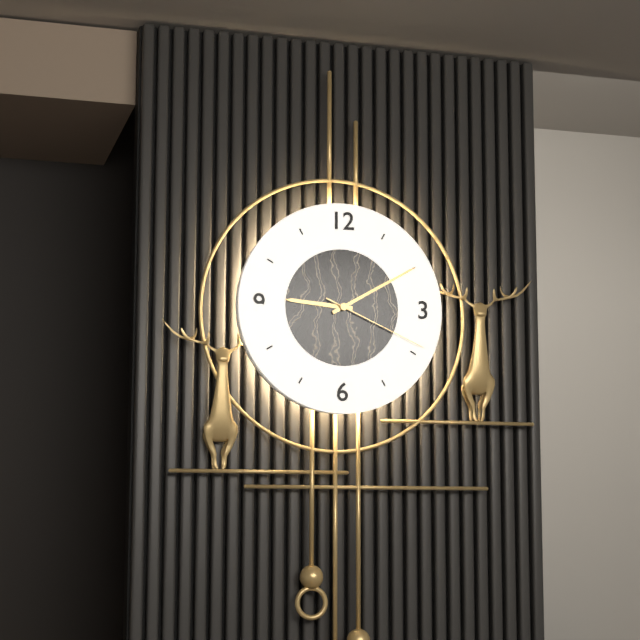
9:10:19
